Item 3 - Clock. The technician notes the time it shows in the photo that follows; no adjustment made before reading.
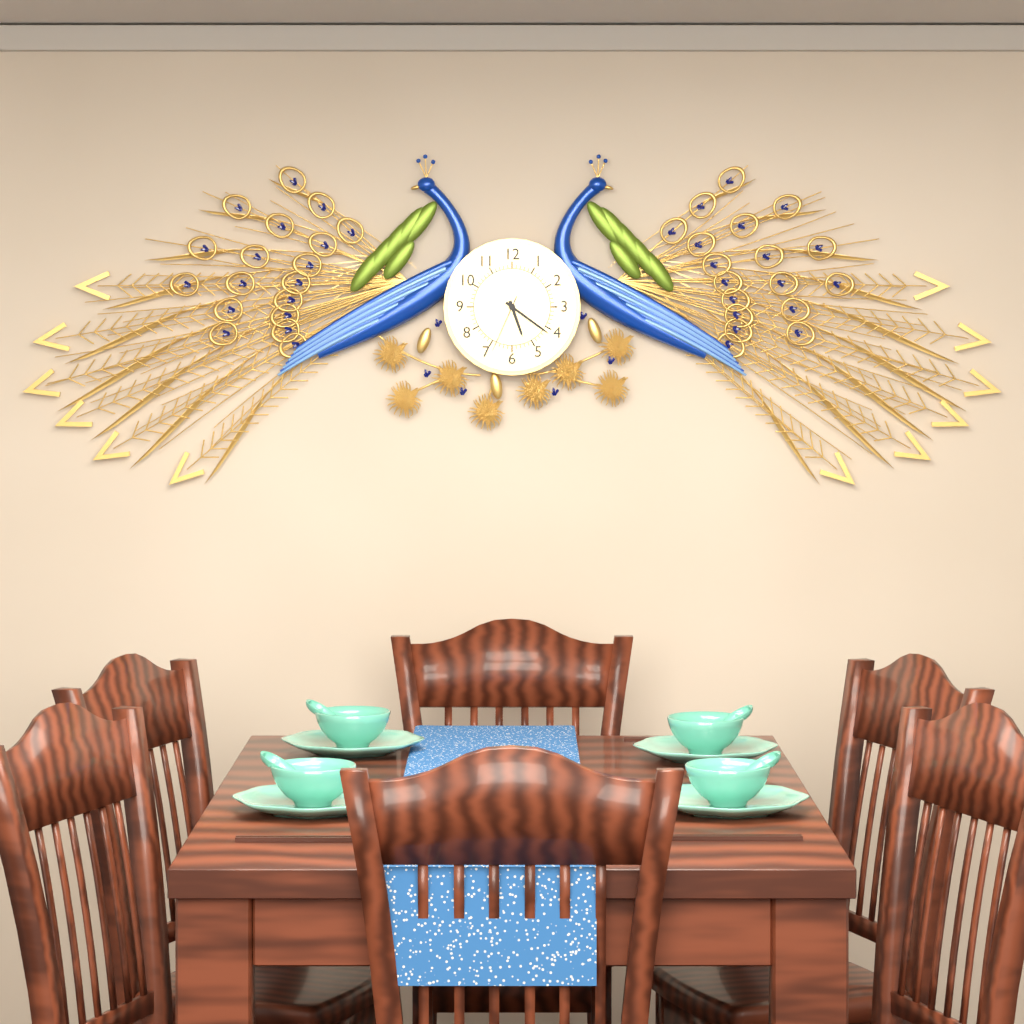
5:21:34
